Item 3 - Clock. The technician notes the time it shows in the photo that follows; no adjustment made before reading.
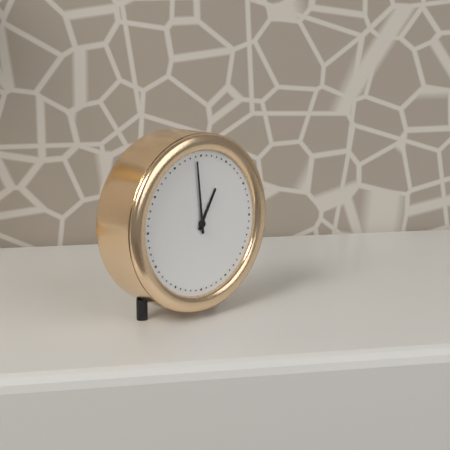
12:59
